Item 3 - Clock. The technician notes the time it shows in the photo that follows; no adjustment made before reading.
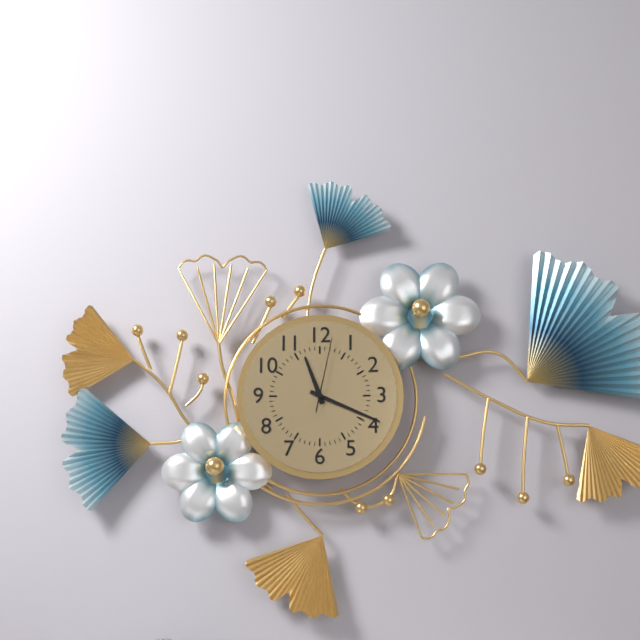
11:19:02
